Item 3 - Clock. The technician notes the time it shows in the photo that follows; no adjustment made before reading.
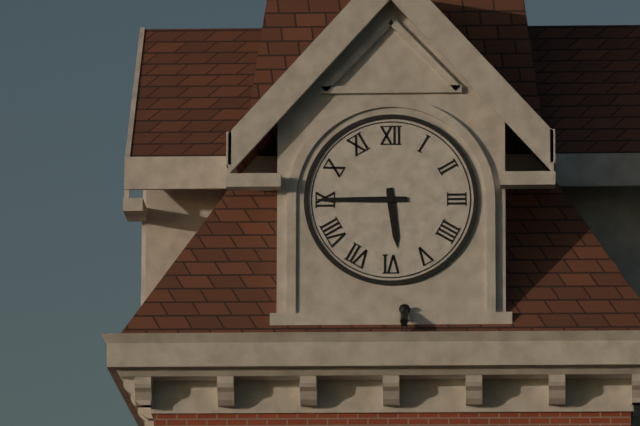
5:45
